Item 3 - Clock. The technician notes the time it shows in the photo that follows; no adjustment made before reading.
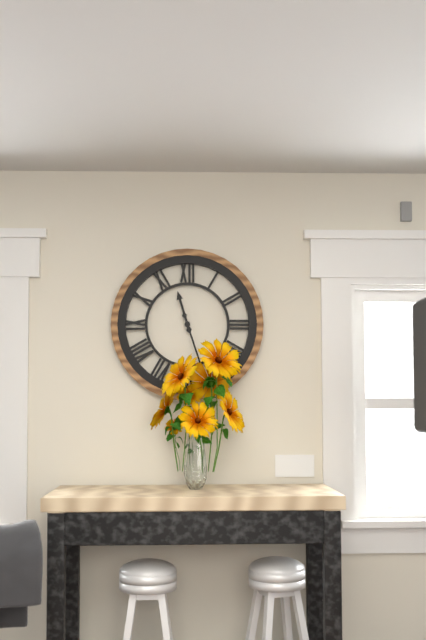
11:27
